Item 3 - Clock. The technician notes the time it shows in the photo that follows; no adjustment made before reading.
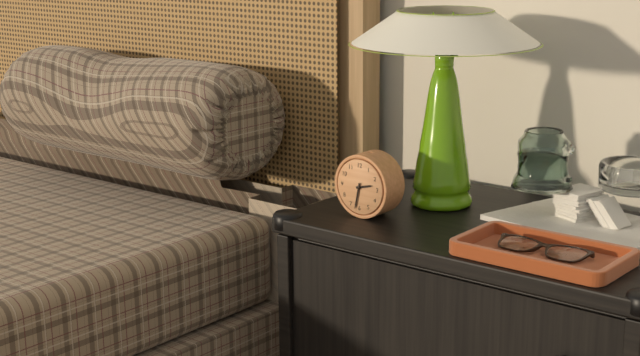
2:32
